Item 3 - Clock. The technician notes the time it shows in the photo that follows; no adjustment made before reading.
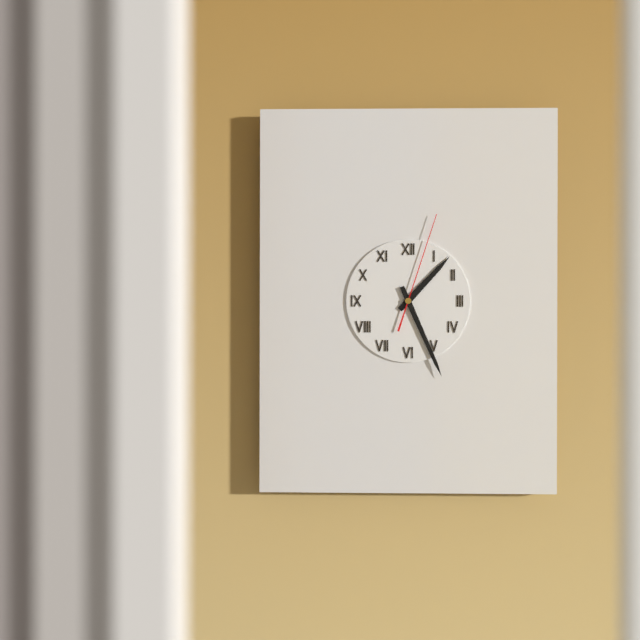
1:26:03
